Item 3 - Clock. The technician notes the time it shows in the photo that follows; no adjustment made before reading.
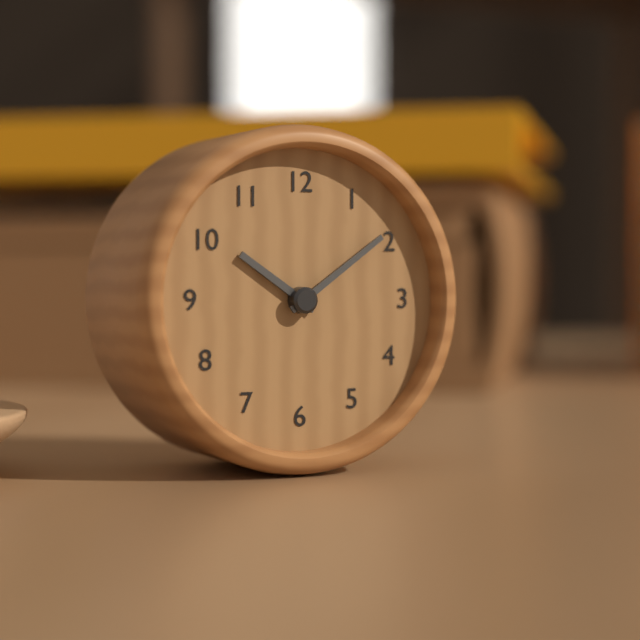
10:09
